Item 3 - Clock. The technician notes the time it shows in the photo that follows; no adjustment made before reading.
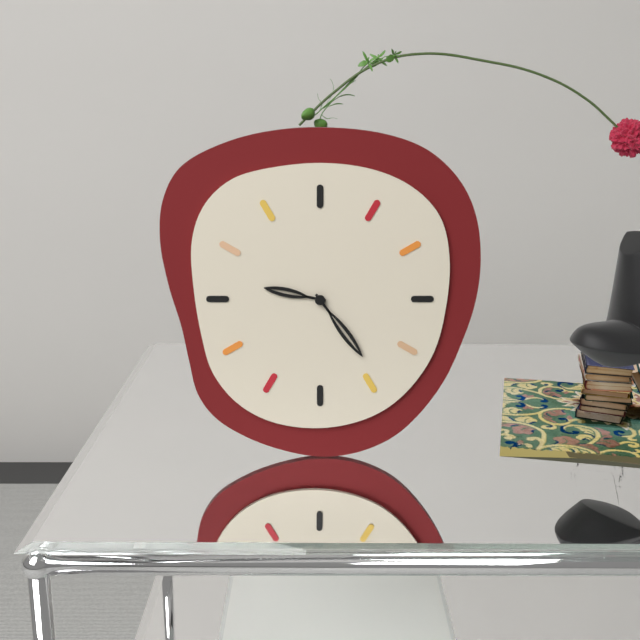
9:24
